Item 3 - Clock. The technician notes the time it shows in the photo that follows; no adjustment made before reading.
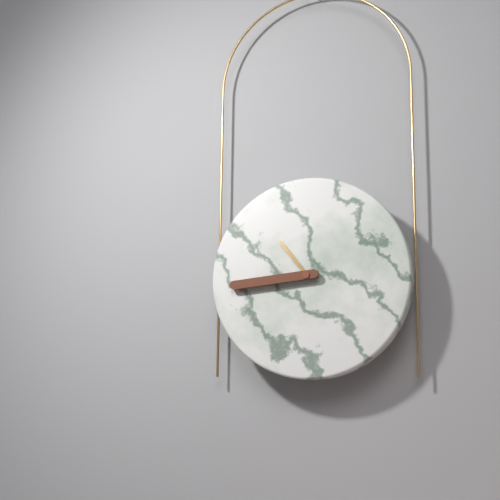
10:44
